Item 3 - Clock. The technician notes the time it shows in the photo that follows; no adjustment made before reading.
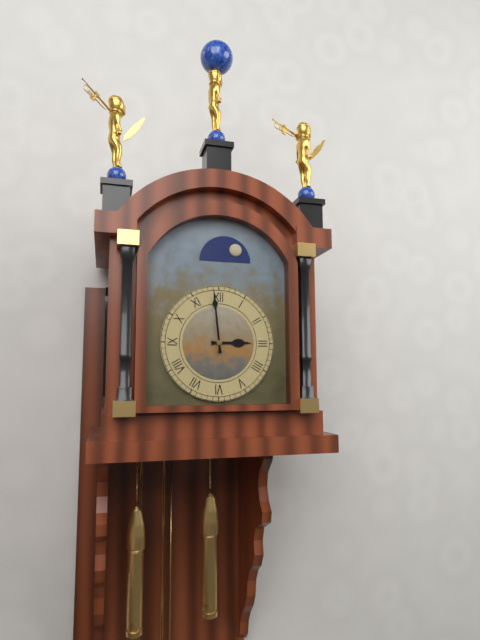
2:59
